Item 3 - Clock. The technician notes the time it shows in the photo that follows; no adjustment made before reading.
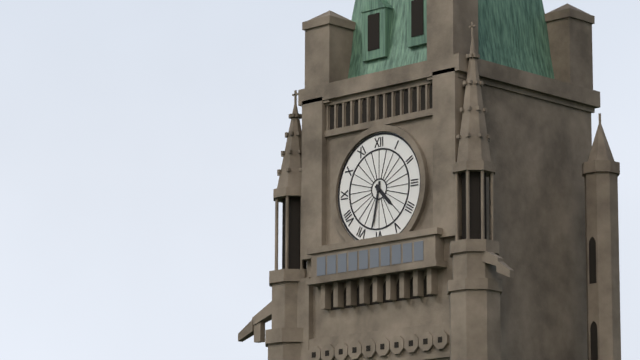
4:32
